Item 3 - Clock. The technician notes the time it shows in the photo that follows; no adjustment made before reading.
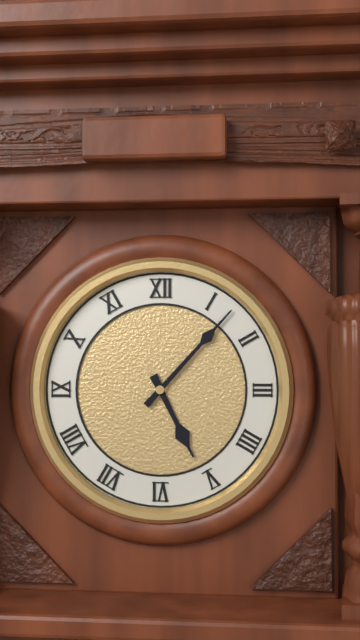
5:07
